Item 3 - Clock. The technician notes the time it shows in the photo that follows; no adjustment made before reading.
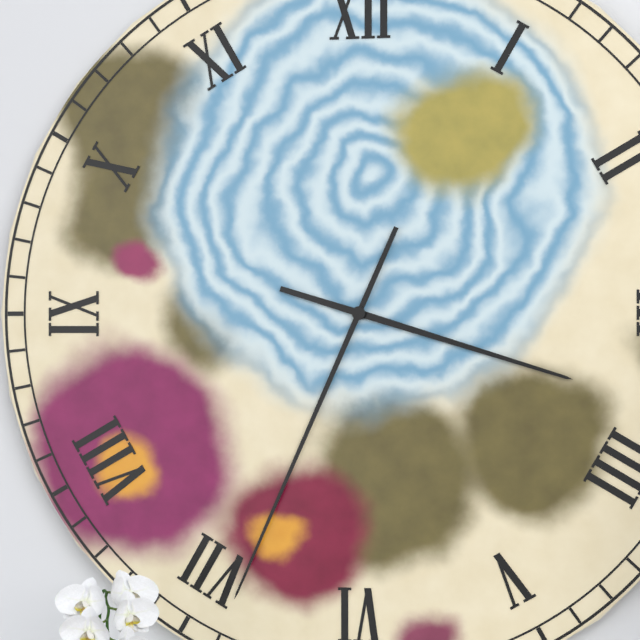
3:34
